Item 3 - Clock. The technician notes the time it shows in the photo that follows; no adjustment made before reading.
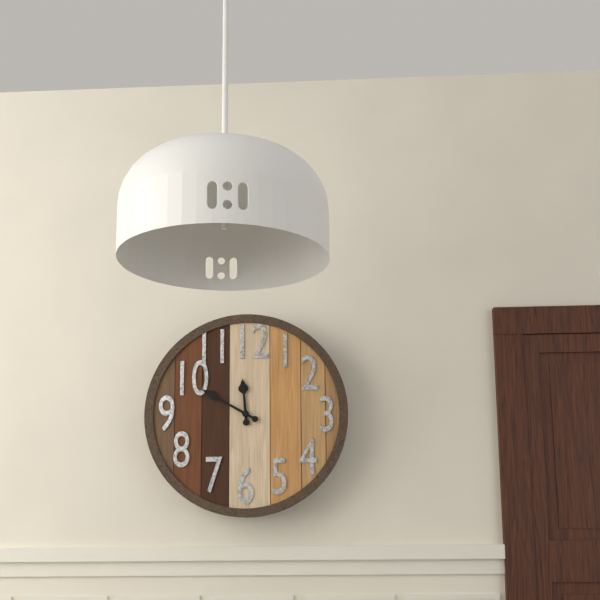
11:50
